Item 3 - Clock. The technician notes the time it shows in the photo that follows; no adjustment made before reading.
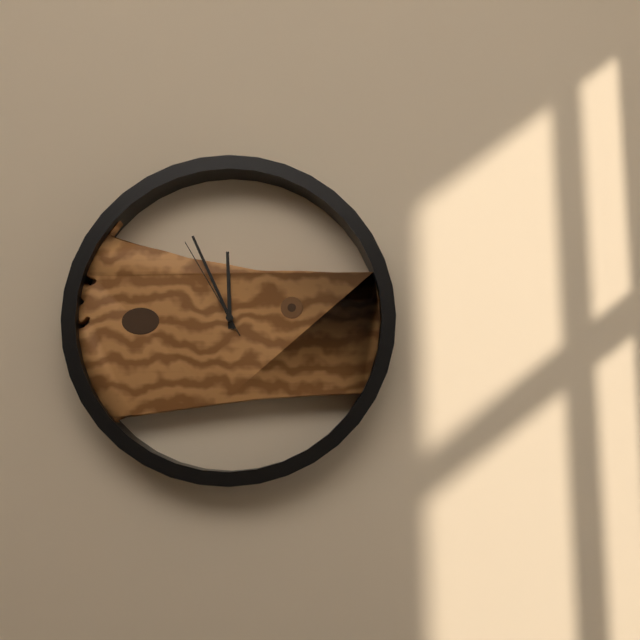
11:56:55
